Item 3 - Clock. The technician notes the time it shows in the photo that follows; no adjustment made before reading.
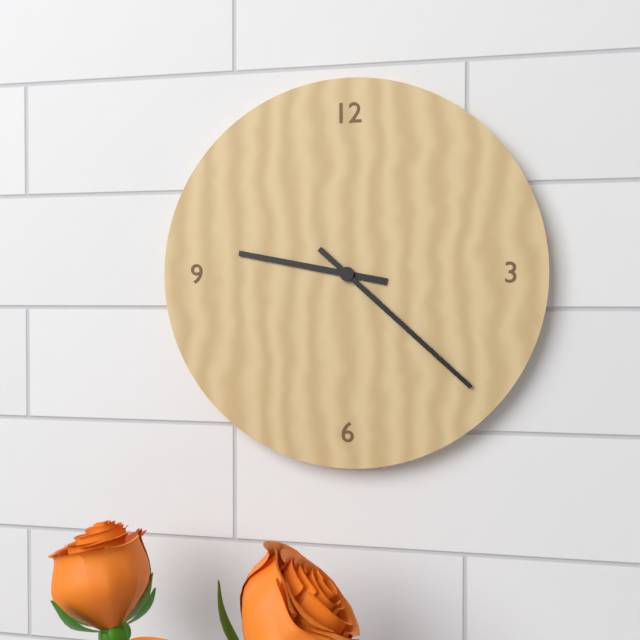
9:22
